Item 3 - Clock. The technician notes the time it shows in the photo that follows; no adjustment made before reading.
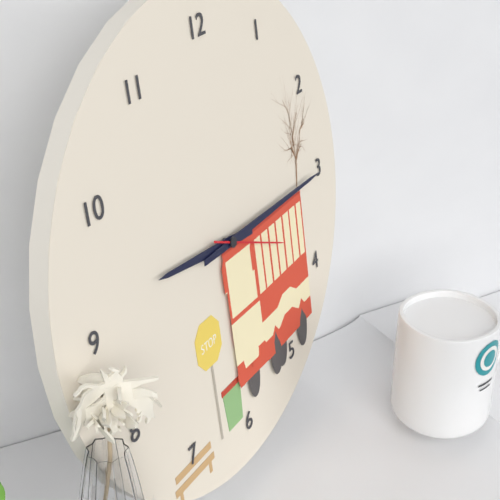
9:15:19
